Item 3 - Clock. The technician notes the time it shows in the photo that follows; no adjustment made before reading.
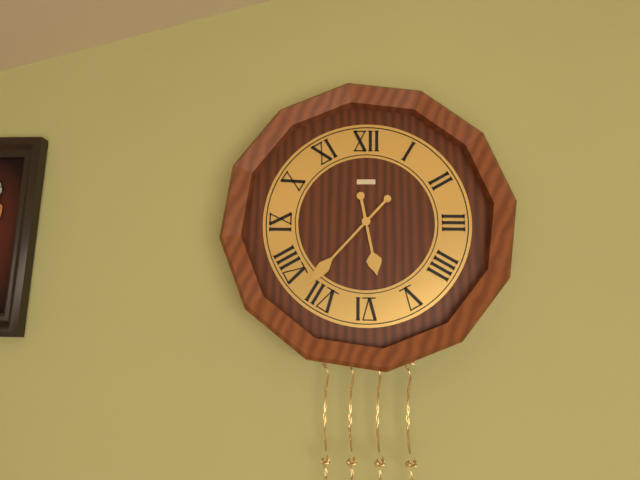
5:37
